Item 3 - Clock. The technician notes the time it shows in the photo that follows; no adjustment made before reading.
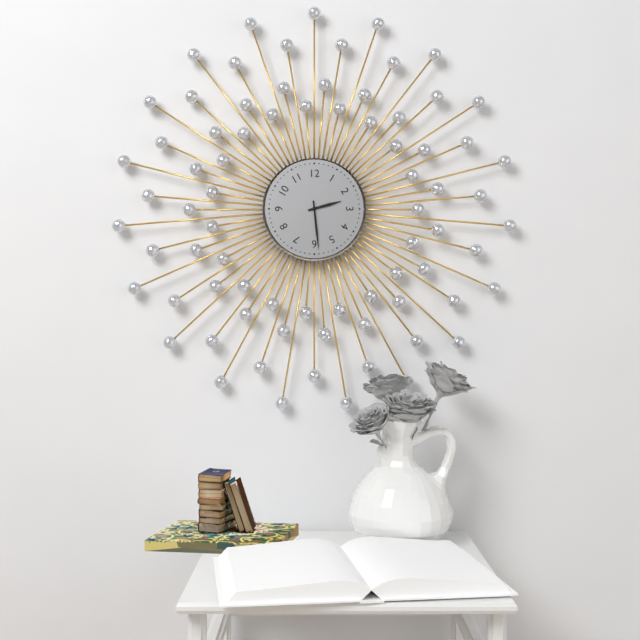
2:29
